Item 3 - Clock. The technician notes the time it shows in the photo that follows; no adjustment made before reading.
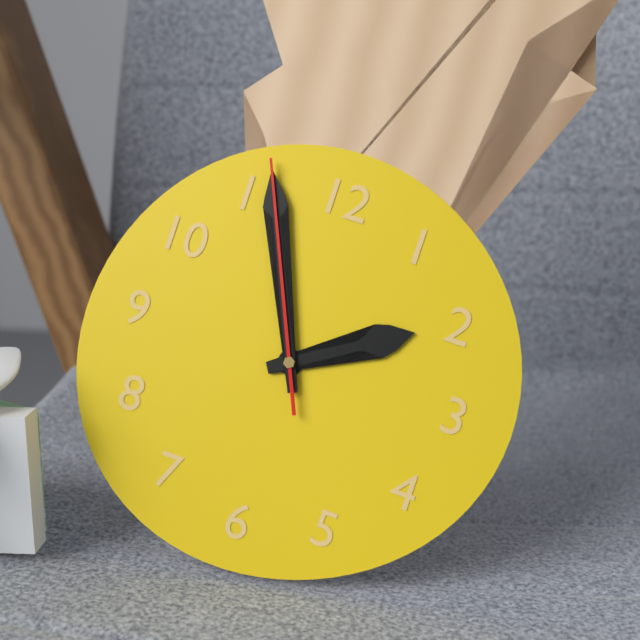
1:56:56
